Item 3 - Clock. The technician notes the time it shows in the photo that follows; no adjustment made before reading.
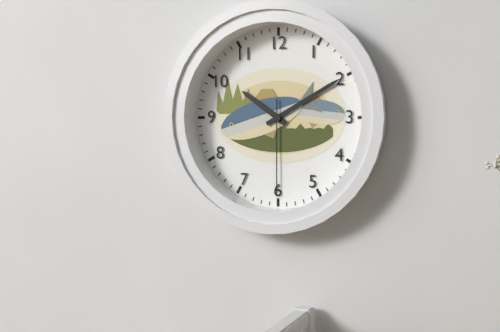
10:10:30
